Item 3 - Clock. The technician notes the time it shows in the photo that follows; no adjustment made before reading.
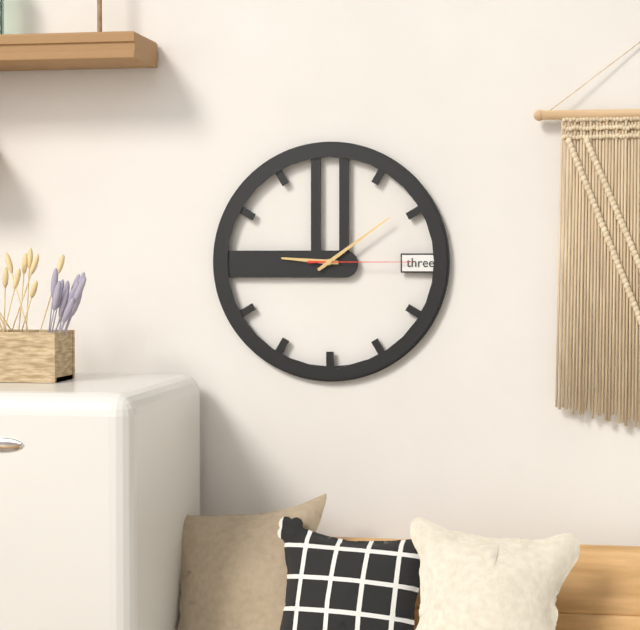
9:09:15
